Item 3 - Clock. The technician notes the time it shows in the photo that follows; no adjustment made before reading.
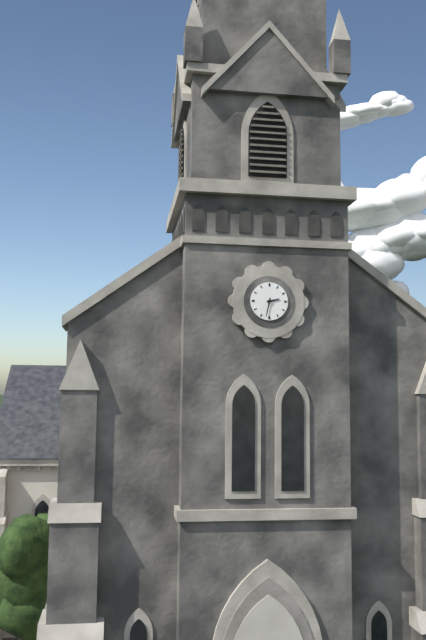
2:32
